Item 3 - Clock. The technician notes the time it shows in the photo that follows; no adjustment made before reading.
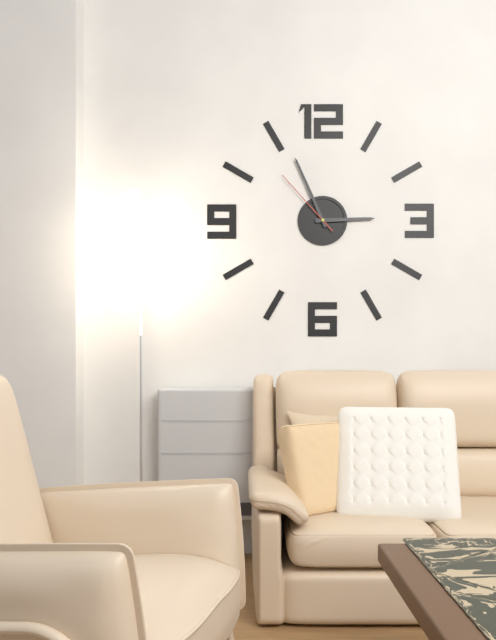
2:56:53
